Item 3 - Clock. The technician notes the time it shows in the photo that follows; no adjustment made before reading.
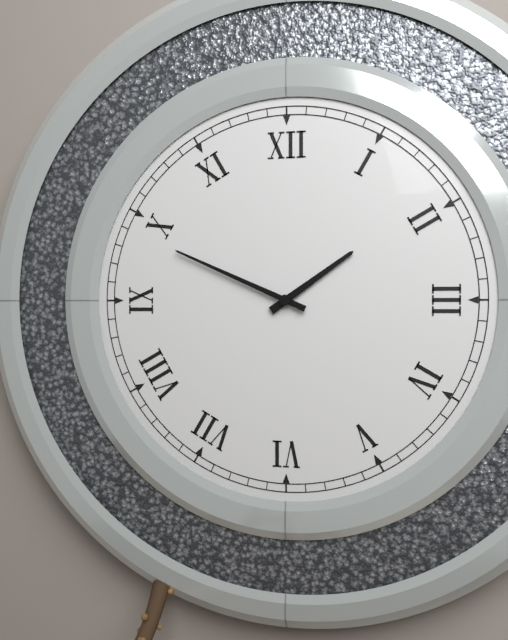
1:49
